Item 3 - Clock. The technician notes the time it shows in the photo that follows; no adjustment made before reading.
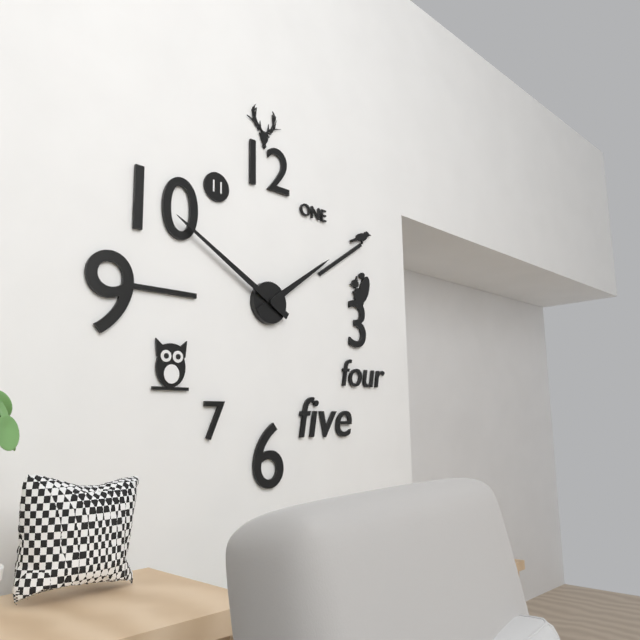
1:50
